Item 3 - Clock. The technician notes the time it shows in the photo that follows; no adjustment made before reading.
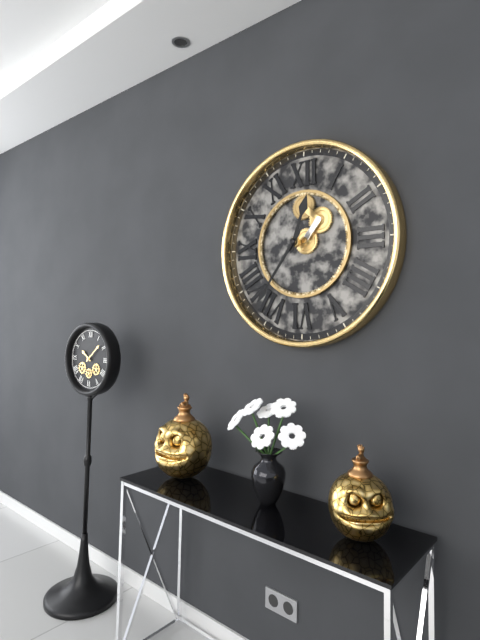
12:36
